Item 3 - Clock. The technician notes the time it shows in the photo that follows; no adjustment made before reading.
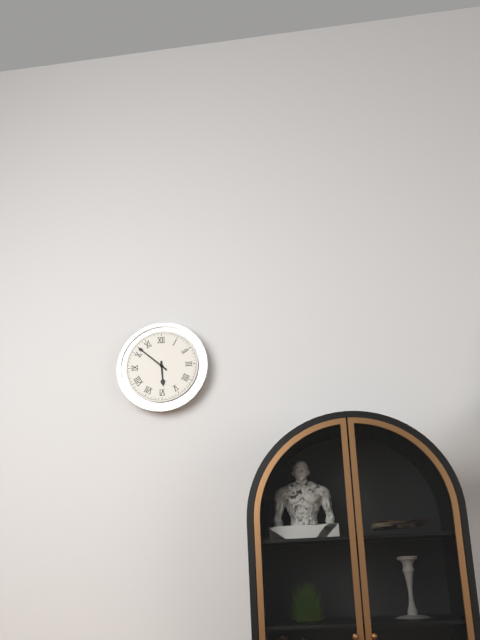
5:52
